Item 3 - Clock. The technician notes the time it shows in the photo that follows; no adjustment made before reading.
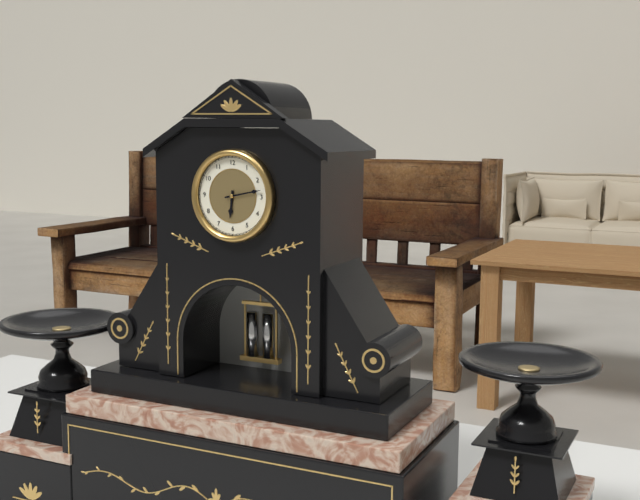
6:13
